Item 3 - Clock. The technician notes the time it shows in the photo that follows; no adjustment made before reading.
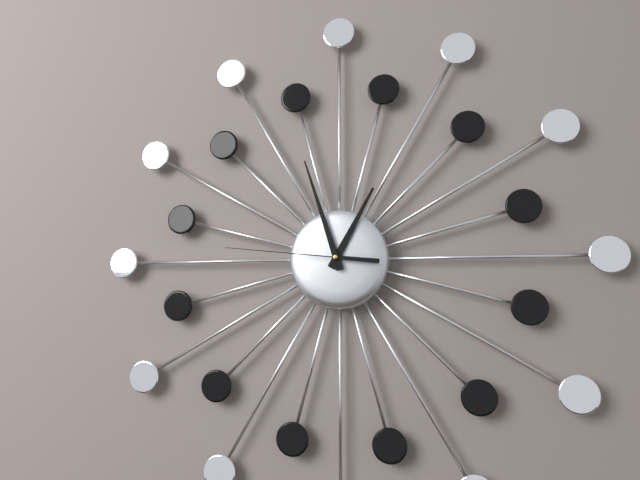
12:57:46
